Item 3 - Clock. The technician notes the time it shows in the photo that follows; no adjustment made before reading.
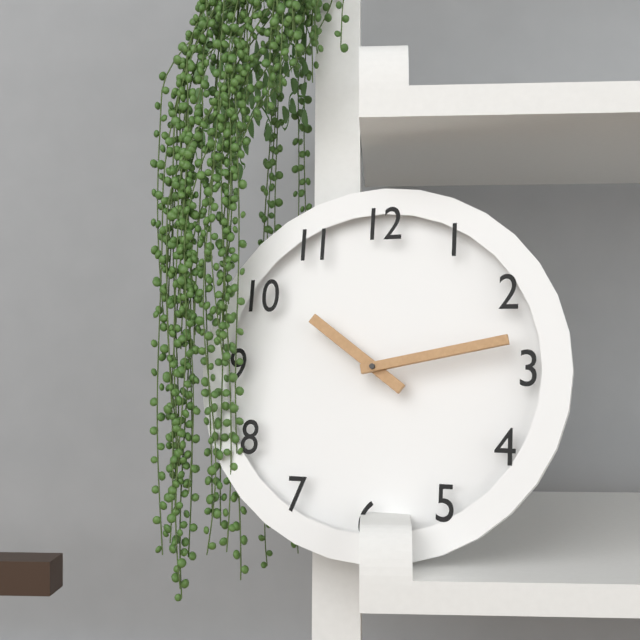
10:13
